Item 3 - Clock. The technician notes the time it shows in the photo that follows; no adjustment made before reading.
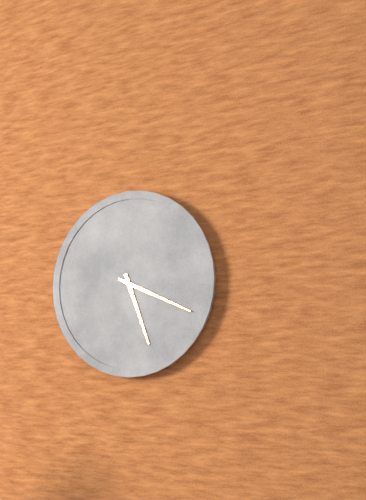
5:19
